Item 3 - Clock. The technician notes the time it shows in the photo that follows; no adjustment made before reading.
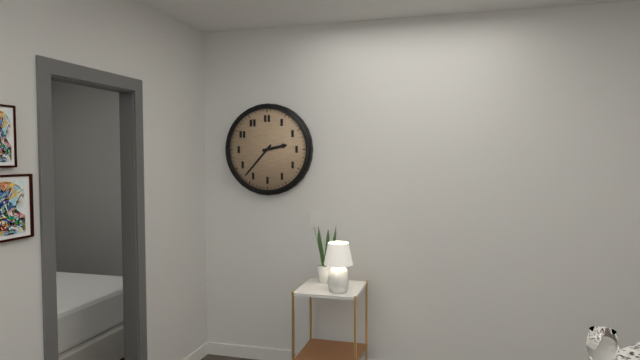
2:37
